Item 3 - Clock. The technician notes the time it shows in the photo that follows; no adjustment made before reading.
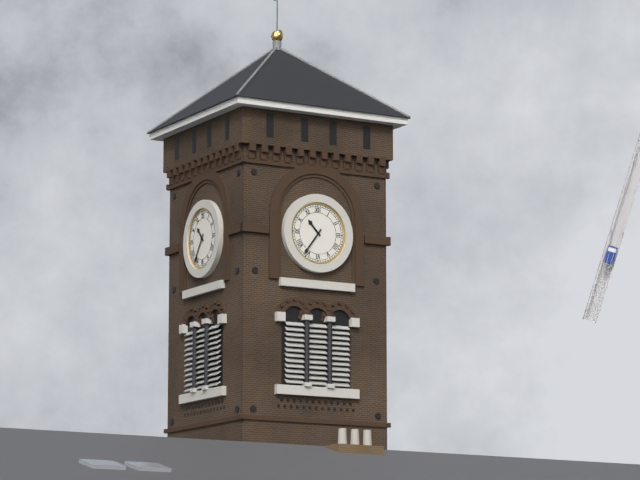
10:36
